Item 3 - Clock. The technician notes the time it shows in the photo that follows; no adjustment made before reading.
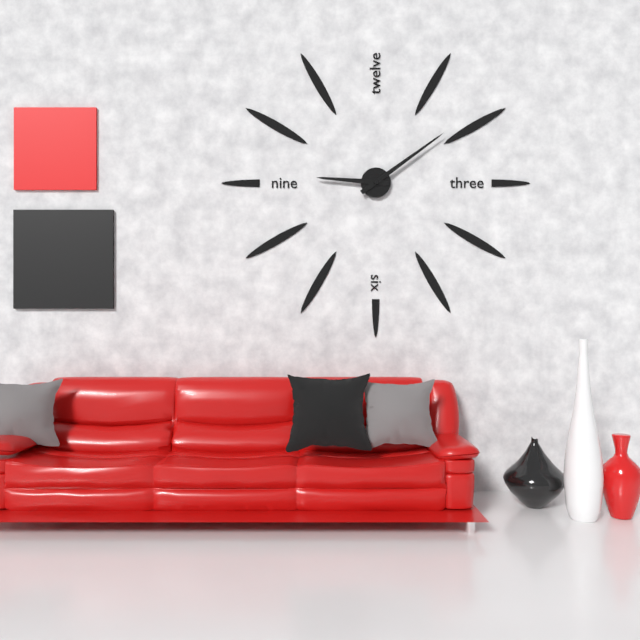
9:09
